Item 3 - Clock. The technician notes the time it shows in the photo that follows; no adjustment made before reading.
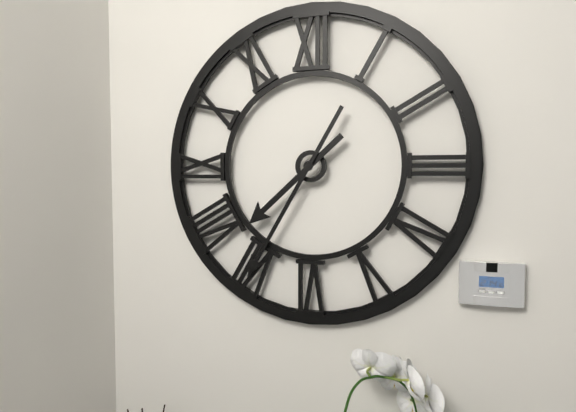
7:35
